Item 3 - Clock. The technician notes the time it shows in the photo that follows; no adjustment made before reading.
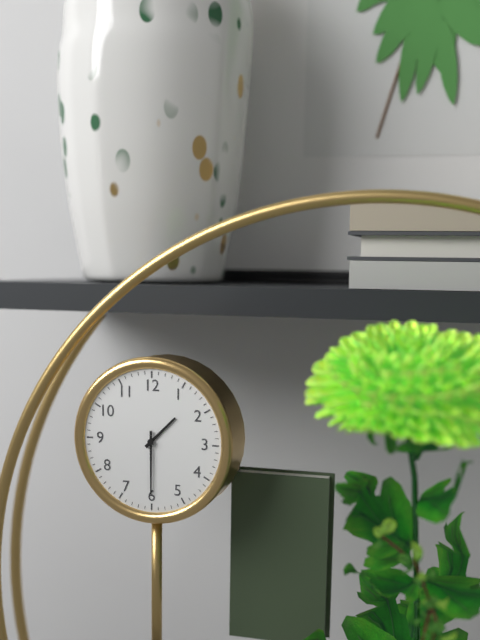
1:30
